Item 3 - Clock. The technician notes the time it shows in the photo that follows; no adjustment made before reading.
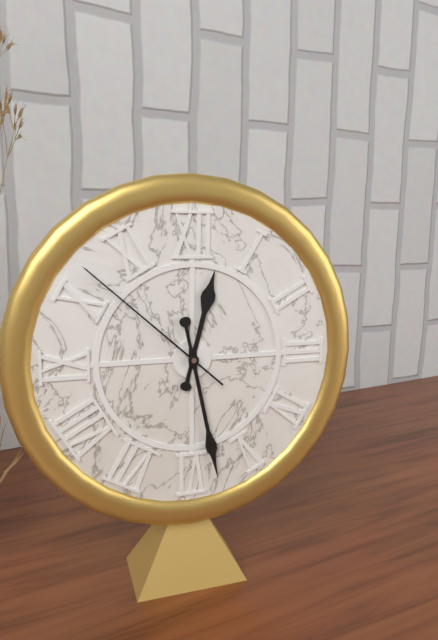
12:28:52
